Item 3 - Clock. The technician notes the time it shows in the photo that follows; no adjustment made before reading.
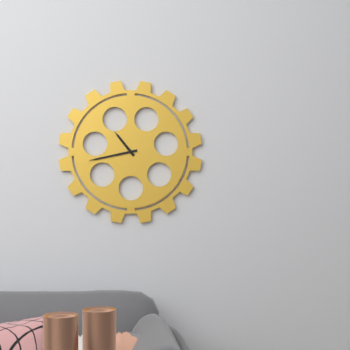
10:43
